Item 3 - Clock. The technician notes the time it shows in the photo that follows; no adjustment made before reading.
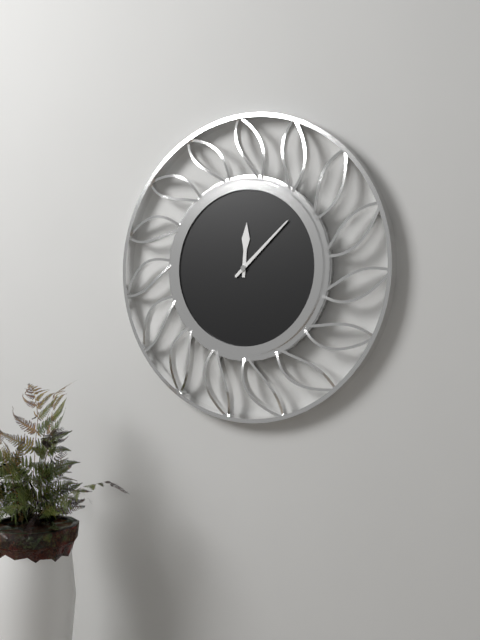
12:08
